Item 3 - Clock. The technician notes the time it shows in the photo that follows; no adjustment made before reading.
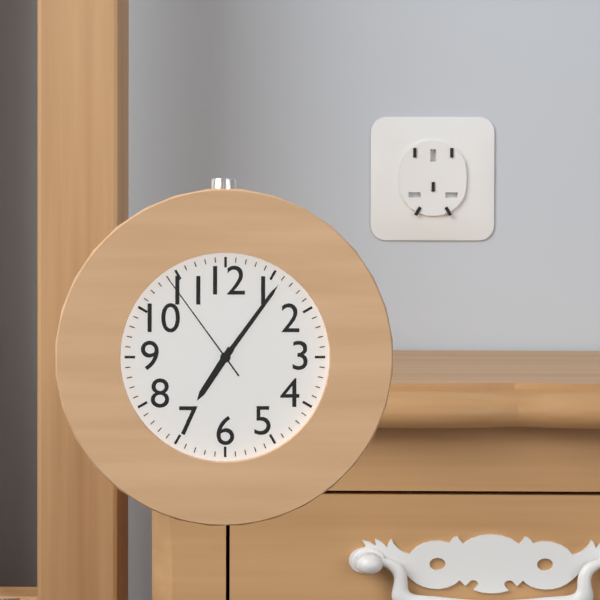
7:06:54
